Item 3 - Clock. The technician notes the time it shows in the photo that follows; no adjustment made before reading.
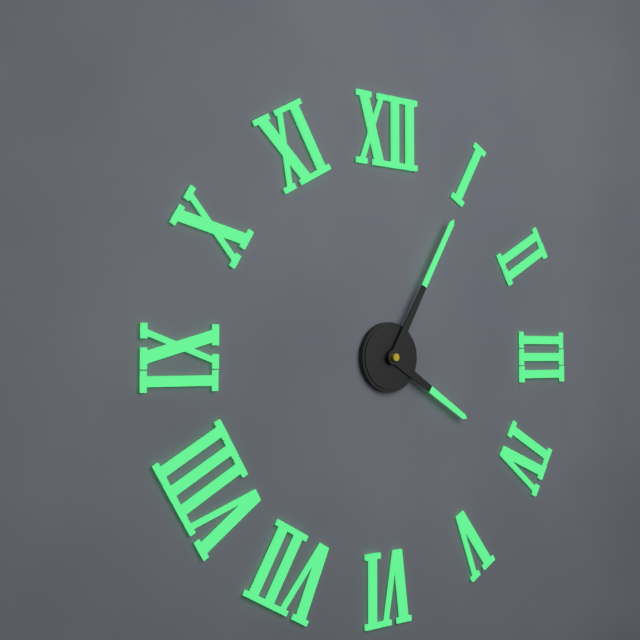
4:05
